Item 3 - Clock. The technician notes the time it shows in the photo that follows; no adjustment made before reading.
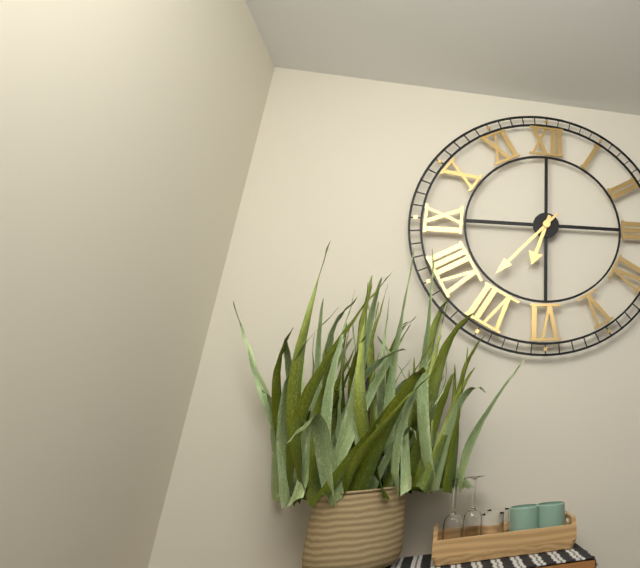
6:37
